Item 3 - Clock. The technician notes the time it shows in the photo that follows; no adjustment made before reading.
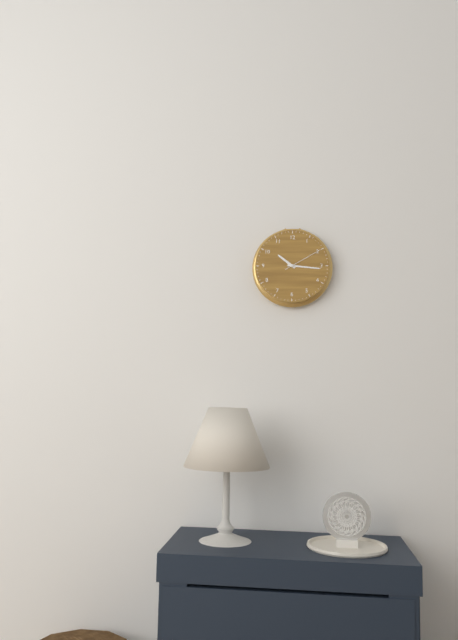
10:16
